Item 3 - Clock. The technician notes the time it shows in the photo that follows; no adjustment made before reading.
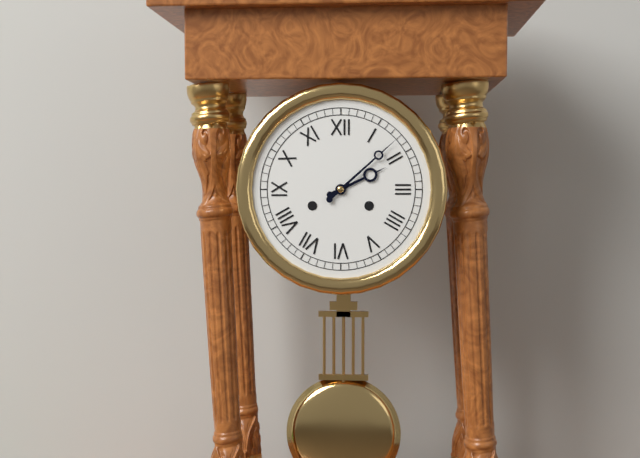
2:08
